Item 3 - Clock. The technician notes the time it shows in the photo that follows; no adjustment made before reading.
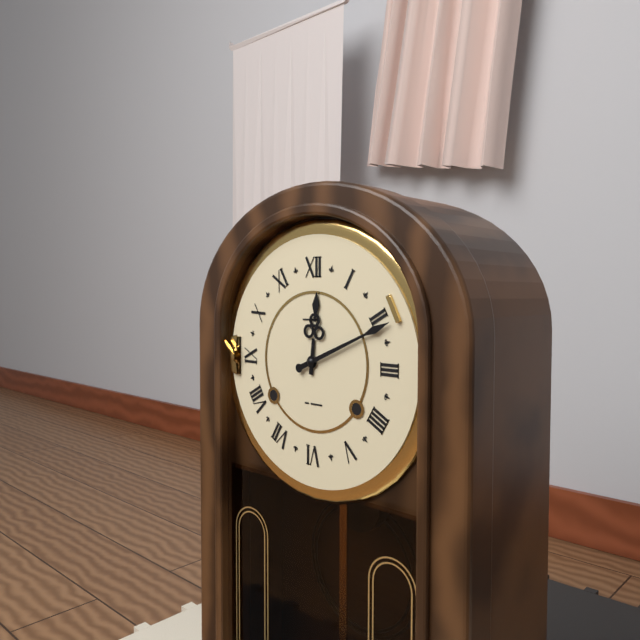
12:11
